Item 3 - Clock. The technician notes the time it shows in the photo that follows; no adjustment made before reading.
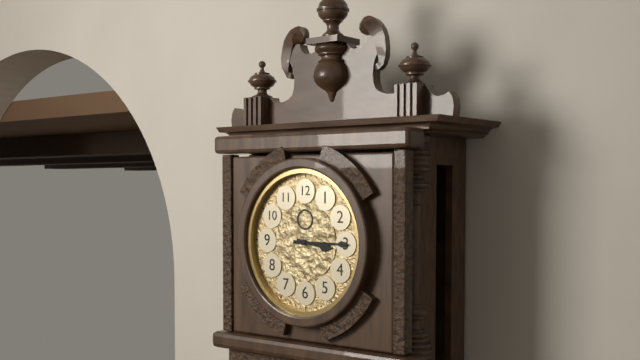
3:15
